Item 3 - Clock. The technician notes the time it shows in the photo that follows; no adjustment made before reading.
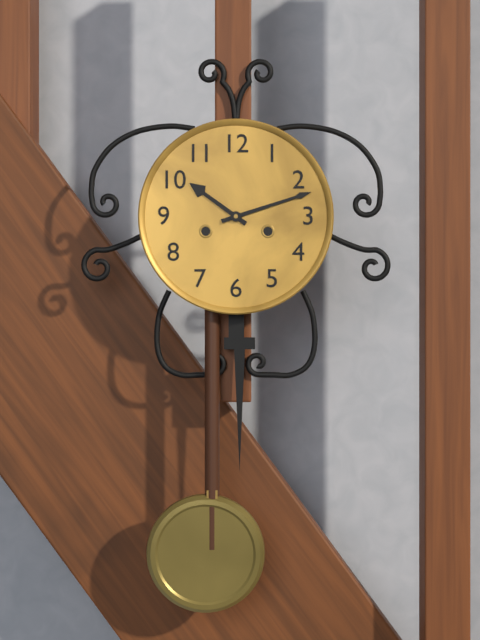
10:12
